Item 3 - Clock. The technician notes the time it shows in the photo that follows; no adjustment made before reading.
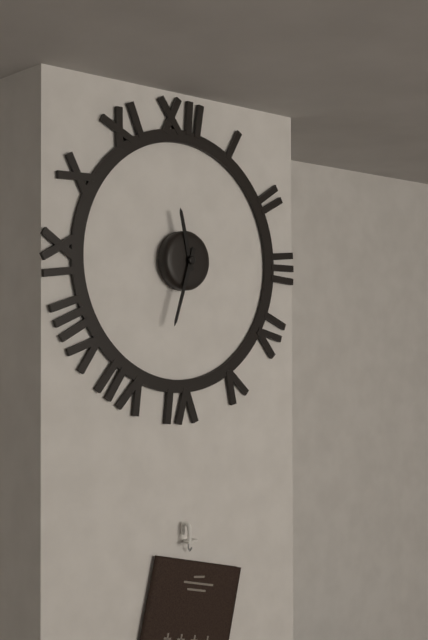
11:33
